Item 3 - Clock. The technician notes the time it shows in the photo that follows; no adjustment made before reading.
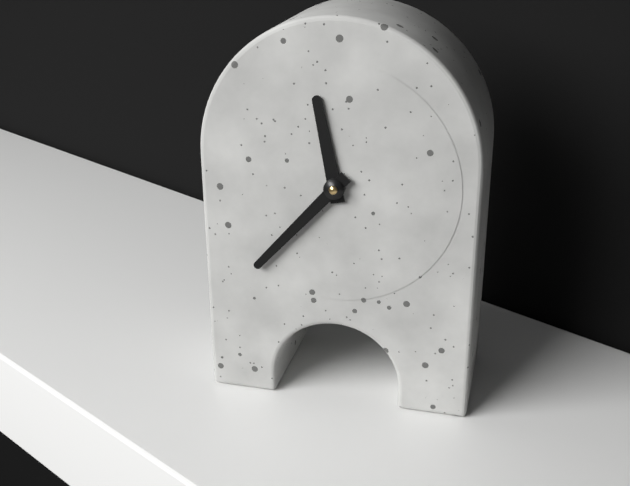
11:37
